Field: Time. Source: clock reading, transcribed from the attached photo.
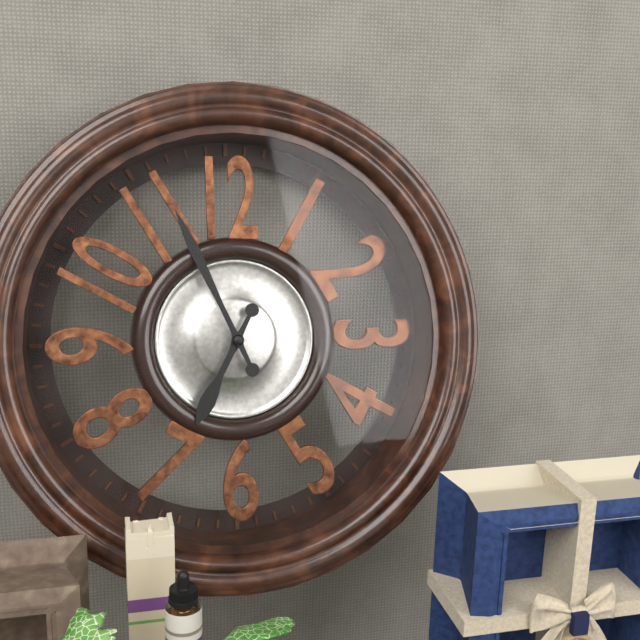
6:56
